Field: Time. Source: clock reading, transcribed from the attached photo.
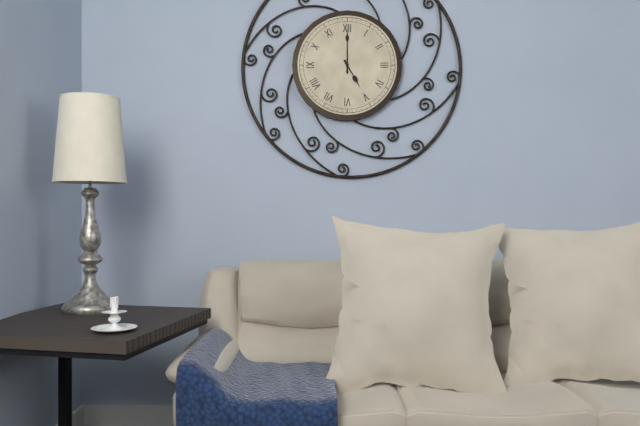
5:00
